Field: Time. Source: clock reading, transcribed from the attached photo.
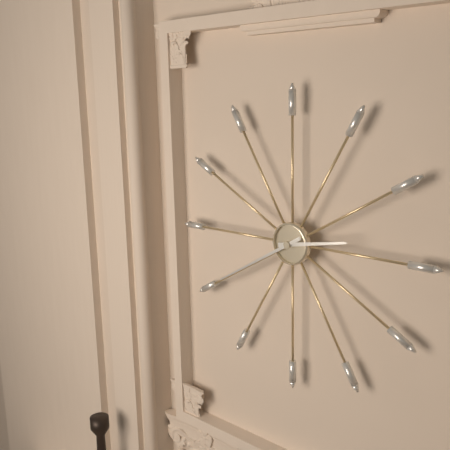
2:40
